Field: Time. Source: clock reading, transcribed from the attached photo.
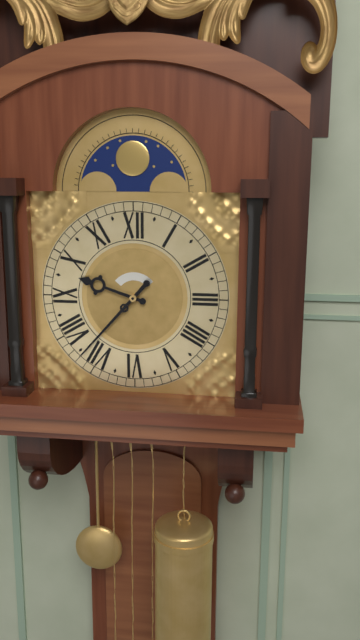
9:37
